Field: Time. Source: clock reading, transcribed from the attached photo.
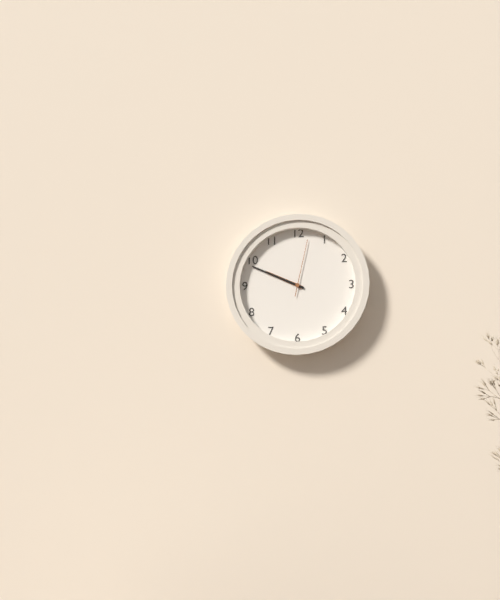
9:49:02
